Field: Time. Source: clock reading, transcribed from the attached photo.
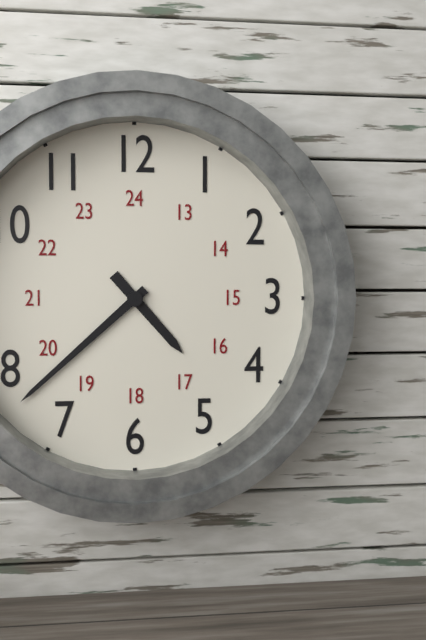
4:38
